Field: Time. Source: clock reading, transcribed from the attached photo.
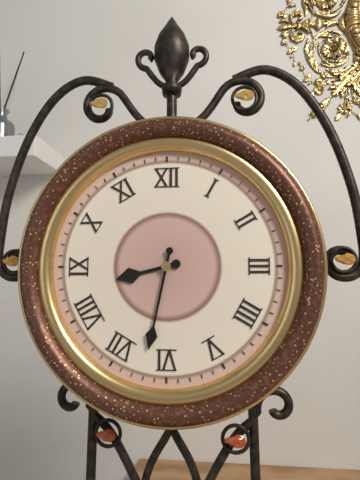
8:32
